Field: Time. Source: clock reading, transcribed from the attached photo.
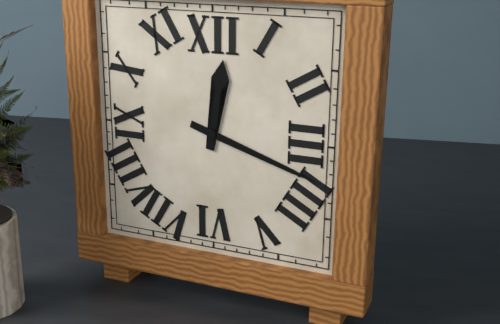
12:18
